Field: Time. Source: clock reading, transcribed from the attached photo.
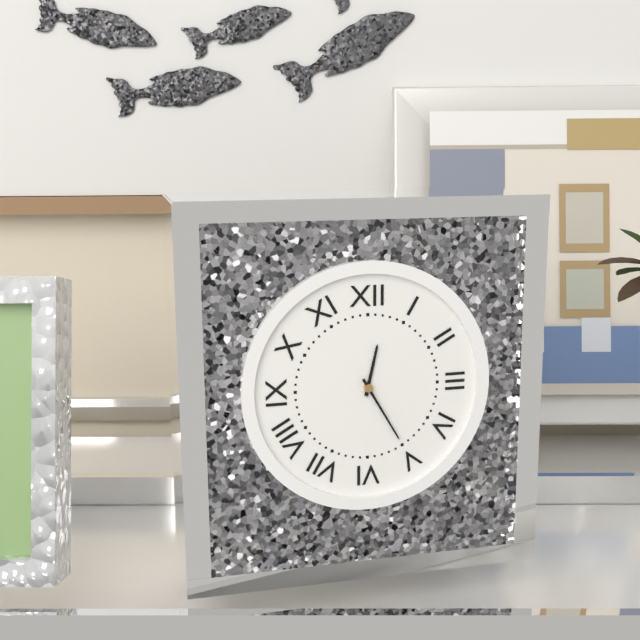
12:25
